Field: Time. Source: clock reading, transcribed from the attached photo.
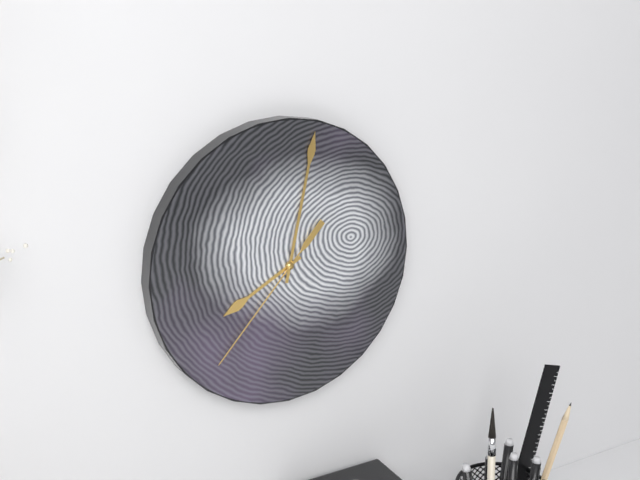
8:02:37
